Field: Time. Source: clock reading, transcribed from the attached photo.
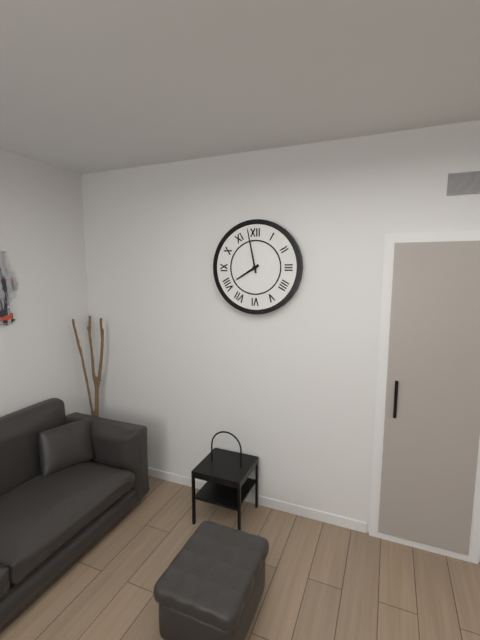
7:58
